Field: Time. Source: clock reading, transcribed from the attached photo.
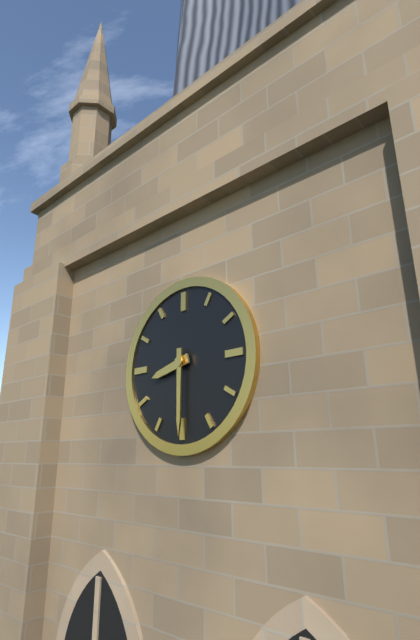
8:30
